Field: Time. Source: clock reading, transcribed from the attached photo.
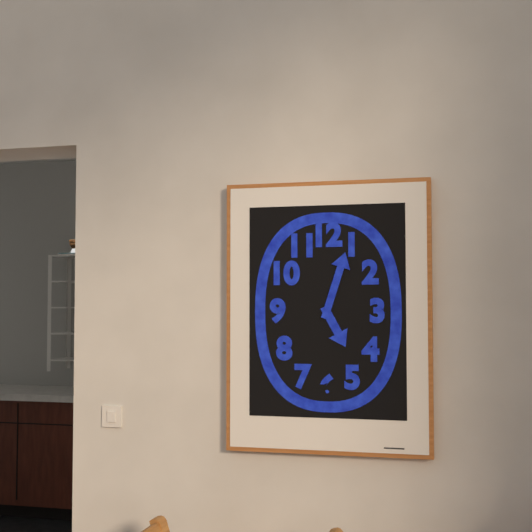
5:03
